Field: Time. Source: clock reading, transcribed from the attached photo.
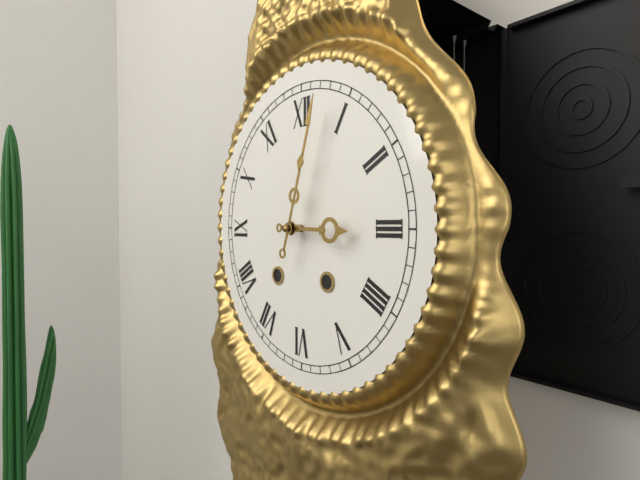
3:03
